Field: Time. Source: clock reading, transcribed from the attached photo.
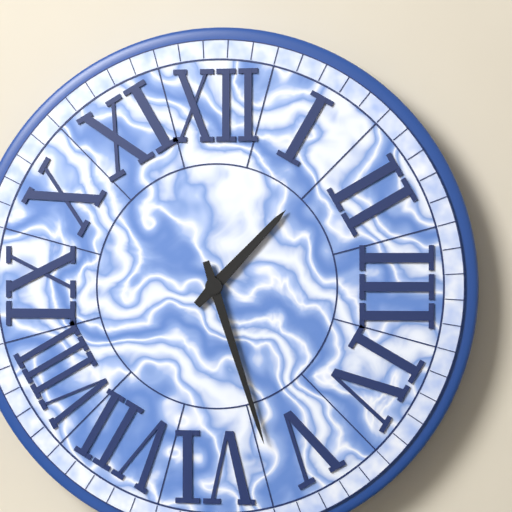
1:27
